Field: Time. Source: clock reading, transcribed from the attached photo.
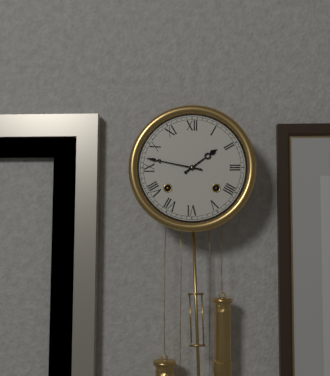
1:47
